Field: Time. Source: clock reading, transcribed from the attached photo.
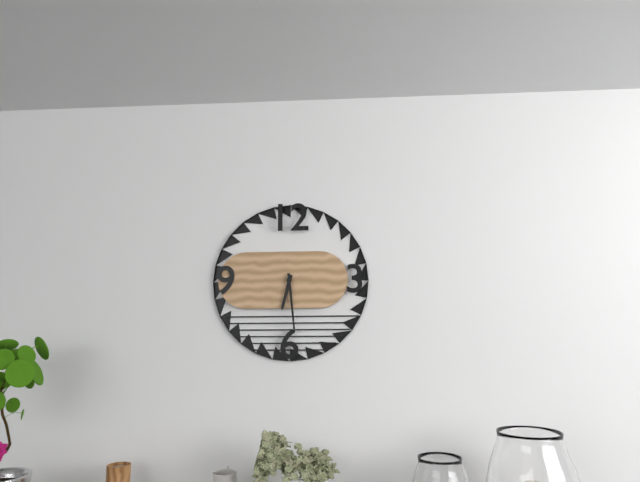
6:29
